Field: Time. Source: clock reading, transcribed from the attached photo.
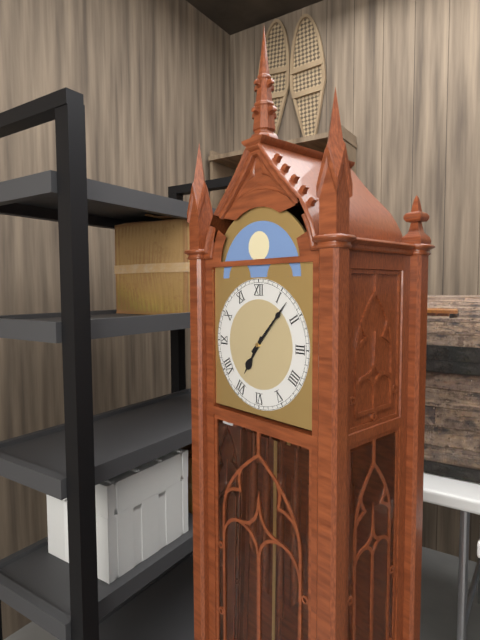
7:07
